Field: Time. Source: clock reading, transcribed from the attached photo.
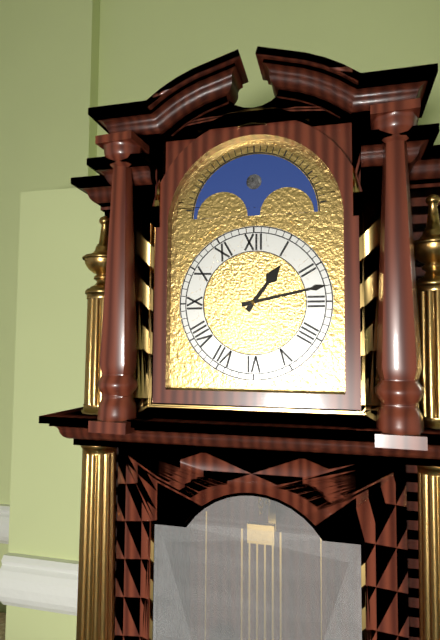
1:13
